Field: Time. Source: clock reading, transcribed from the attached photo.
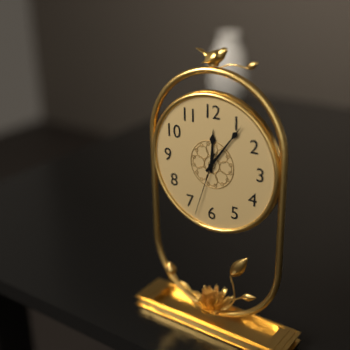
12:06:33
